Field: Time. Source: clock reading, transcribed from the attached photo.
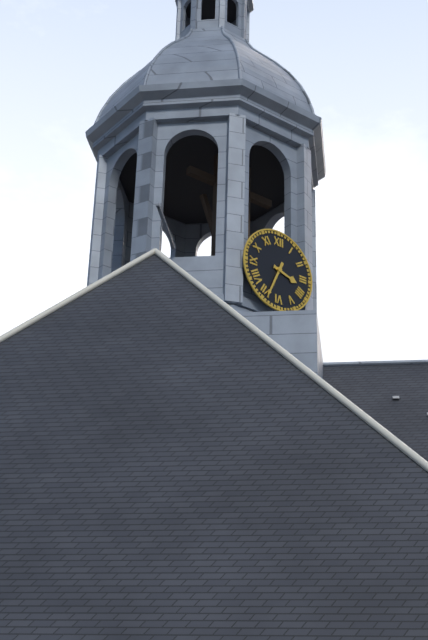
3:34
